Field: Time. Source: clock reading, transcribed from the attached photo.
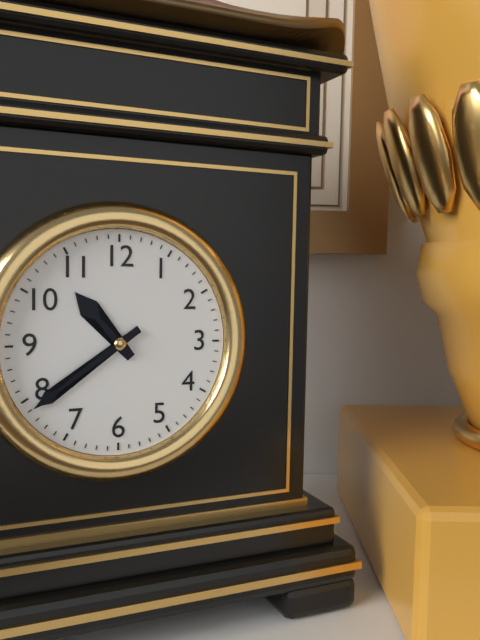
10:39
